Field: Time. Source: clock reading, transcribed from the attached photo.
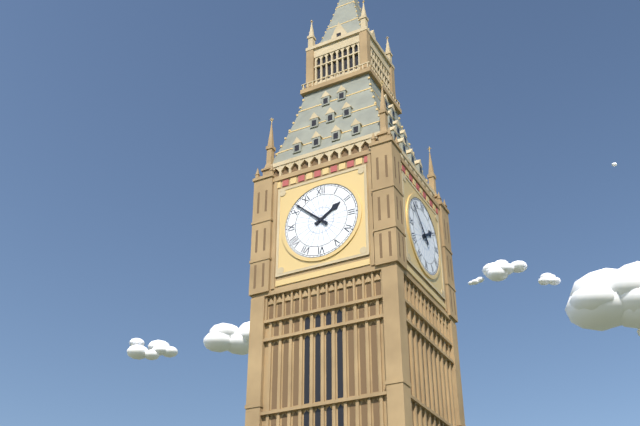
1:52
